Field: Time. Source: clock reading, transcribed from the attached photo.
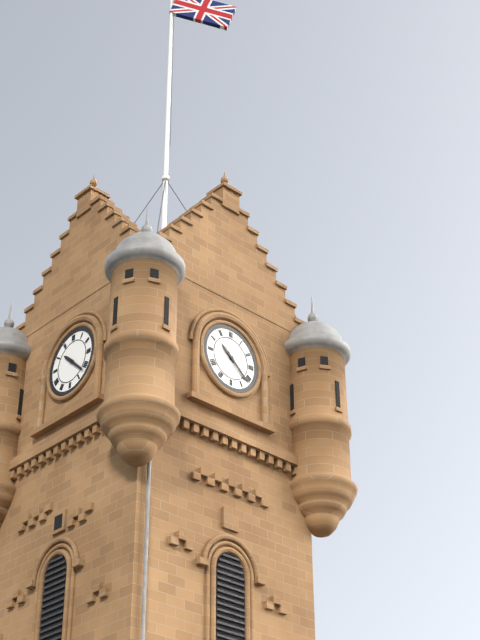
10:22
